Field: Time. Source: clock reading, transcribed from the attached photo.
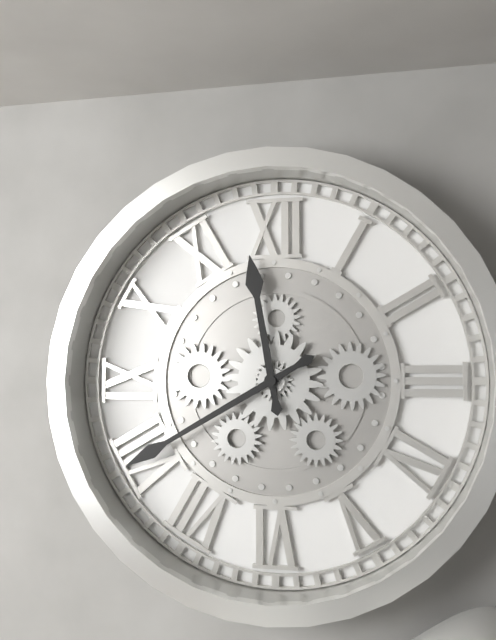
11:40
